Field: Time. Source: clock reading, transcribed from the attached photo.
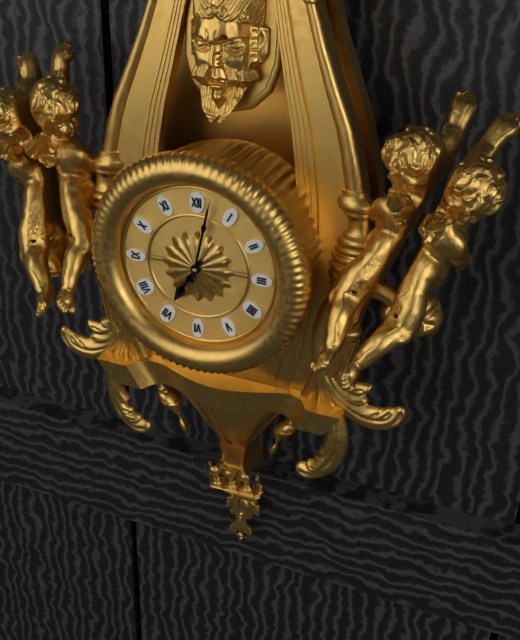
7:02
